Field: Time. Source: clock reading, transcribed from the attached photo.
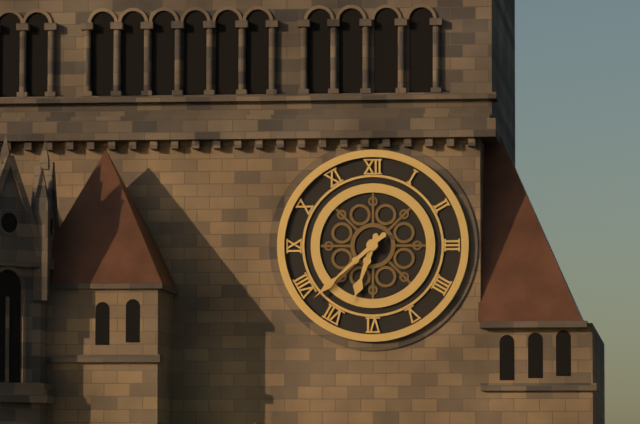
6:38
